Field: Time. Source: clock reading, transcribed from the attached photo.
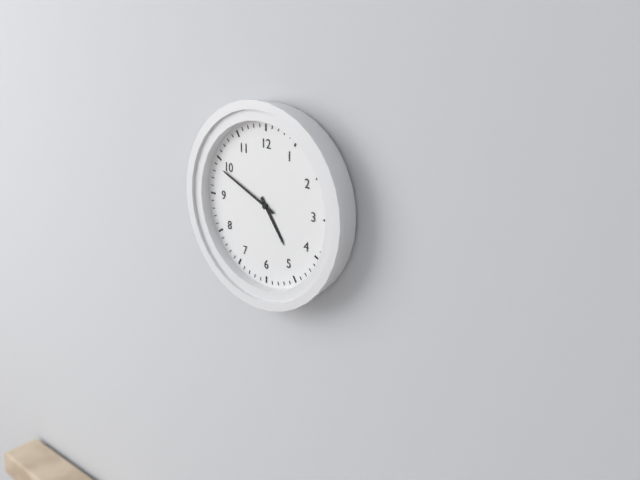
4:49
